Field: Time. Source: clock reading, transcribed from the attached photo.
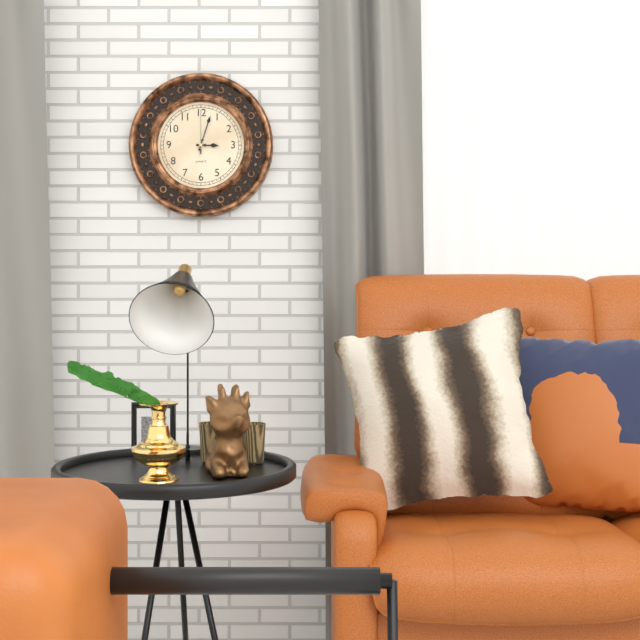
3:03
